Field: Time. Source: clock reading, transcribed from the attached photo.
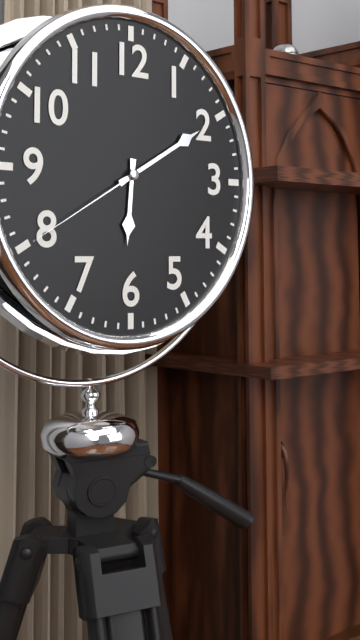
6:10:40
